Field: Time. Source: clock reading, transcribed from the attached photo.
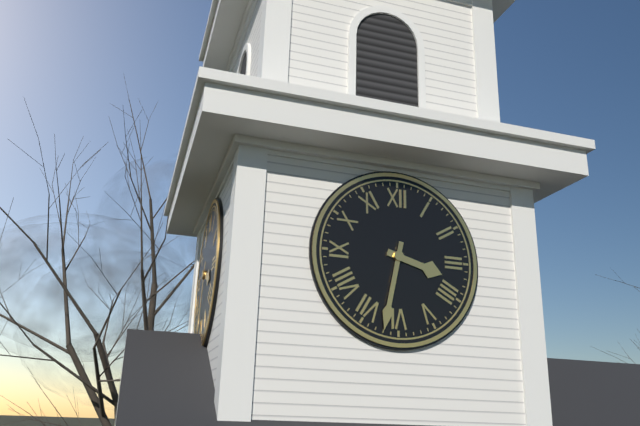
3:32
